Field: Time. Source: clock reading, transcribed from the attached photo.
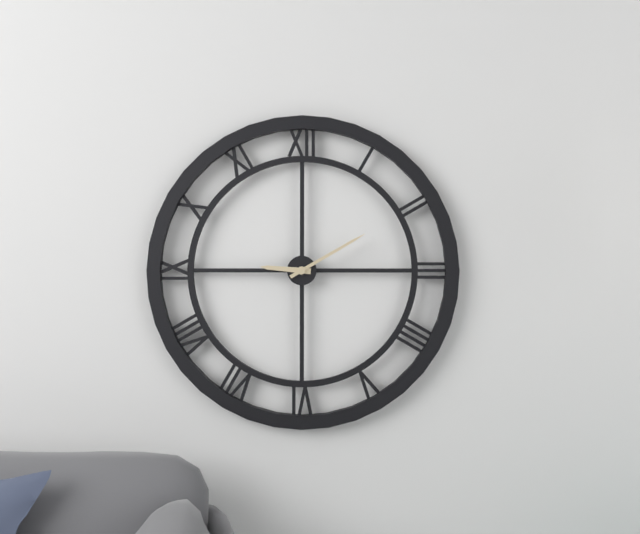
9:10
